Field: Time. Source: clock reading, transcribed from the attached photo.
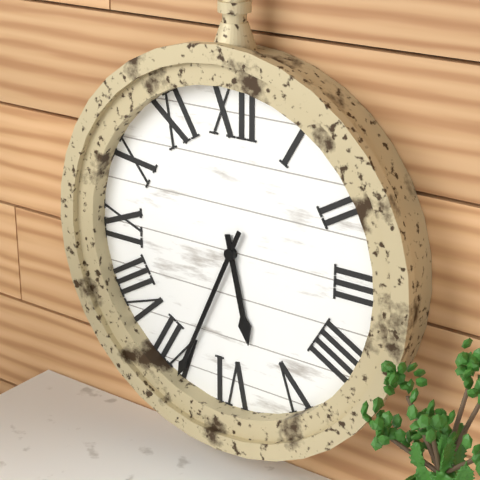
5:34
